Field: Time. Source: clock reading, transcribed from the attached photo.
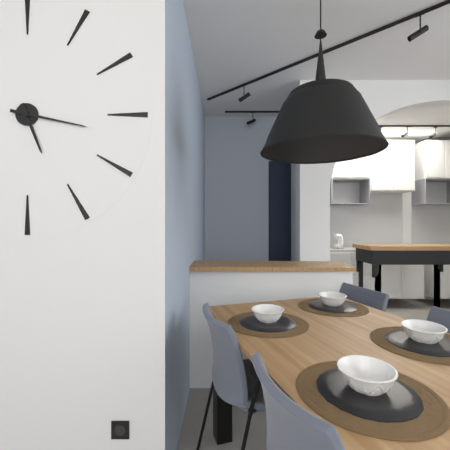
5:17
